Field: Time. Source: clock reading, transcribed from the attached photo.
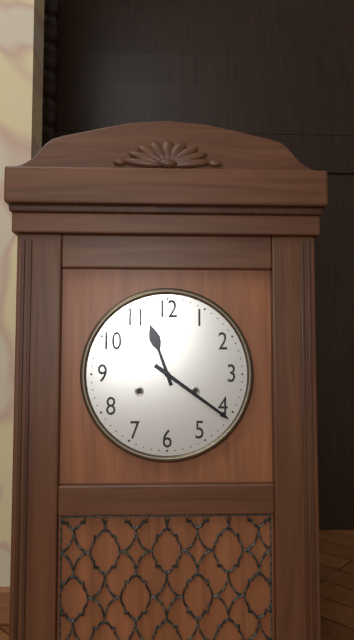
11:21
